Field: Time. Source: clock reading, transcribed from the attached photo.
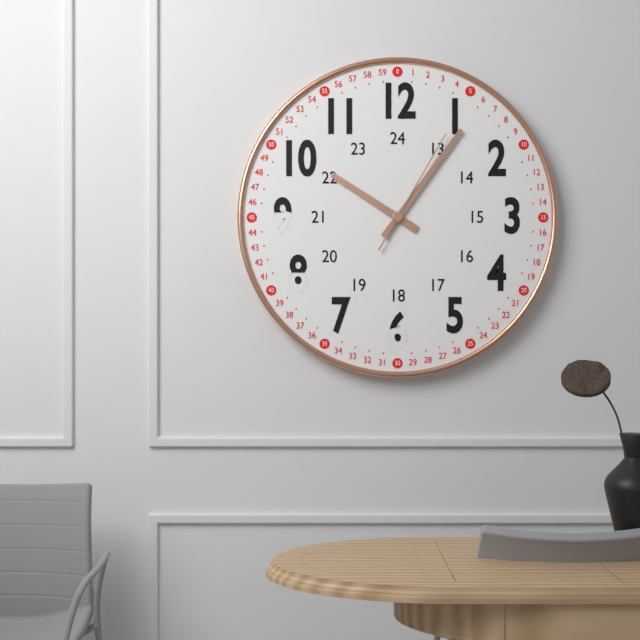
10:06:05
